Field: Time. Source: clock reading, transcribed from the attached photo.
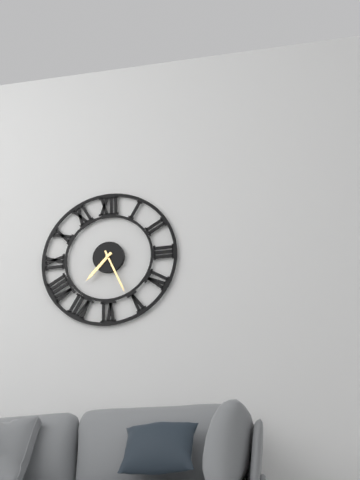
7:26
